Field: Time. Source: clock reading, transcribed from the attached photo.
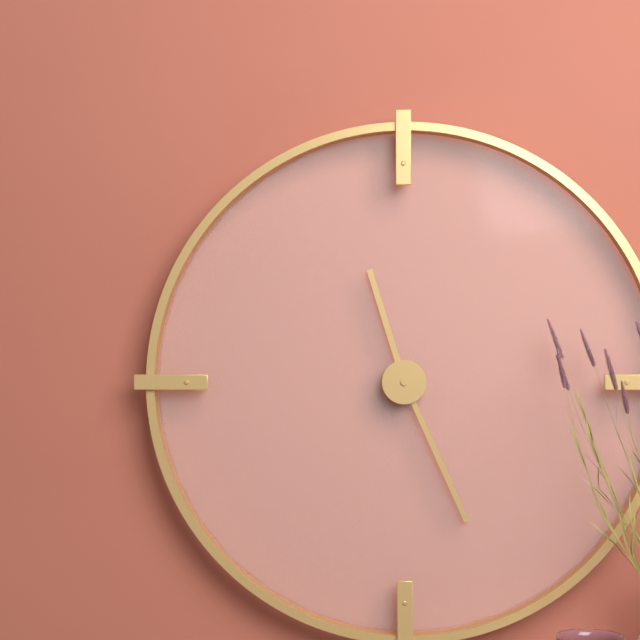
11:26
